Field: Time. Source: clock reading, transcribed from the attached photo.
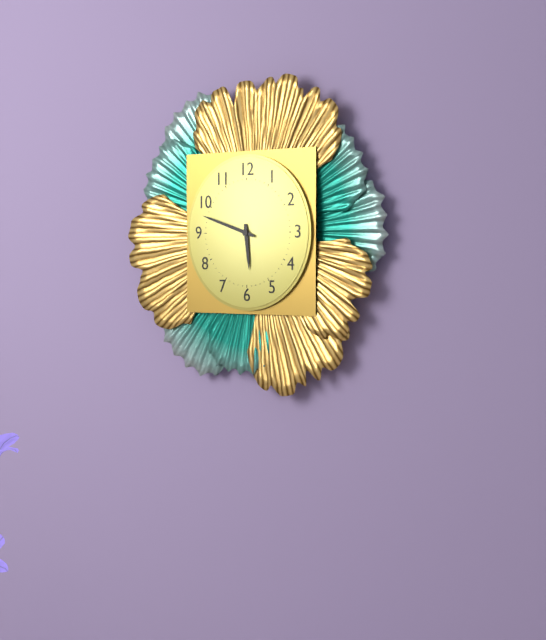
5:48
